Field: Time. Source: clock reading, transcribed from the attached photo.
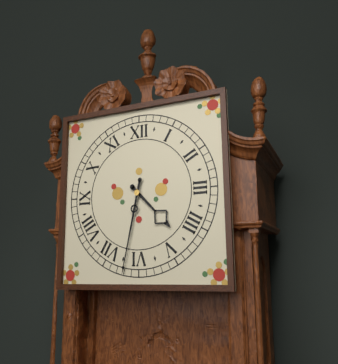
4:32
